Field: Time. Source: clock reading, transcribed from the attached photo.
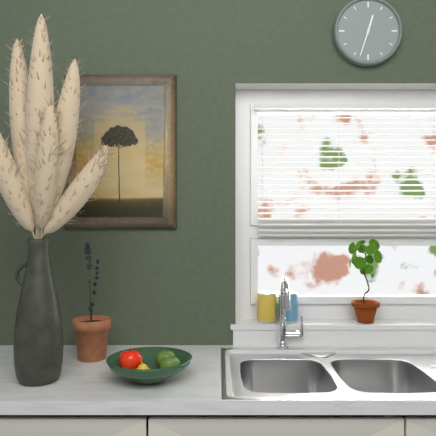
12:33
